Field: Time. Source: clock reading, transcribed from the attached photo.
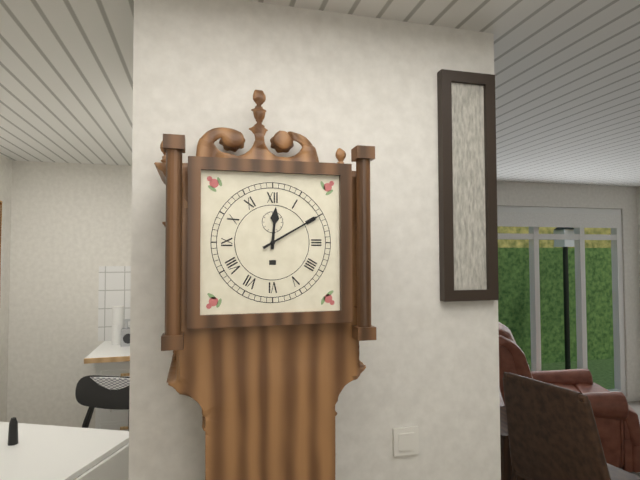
12:10
